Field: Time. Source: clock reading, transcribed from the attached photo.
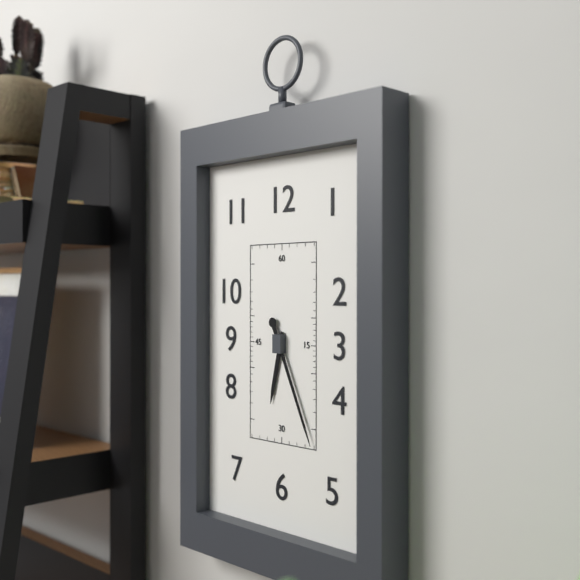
6:26
